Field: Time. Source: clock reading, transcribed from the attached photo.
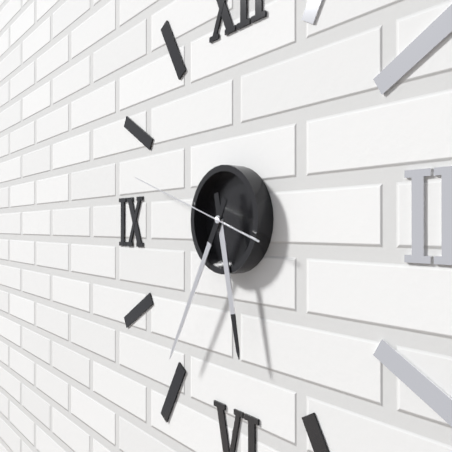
5:35:48
